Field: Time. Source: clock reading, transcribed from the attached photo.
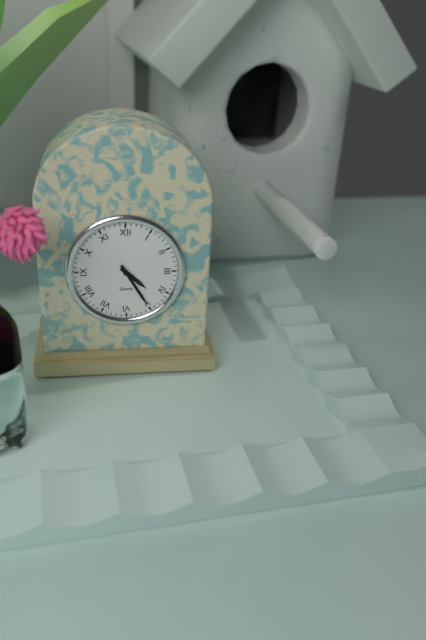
4:25
